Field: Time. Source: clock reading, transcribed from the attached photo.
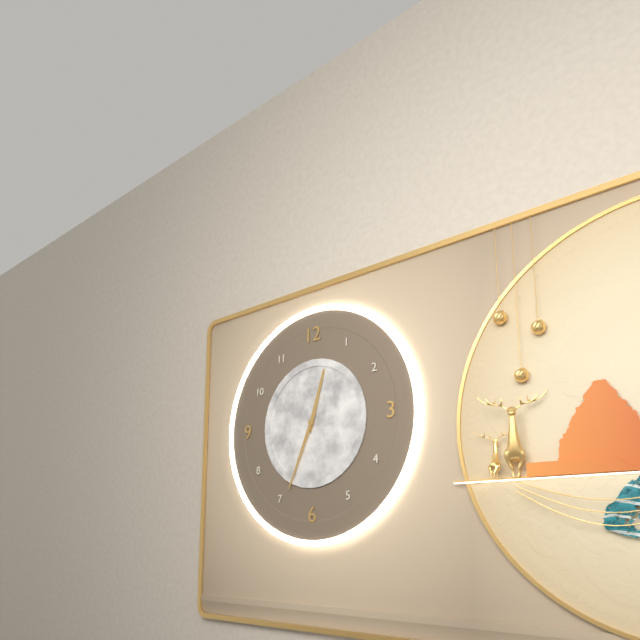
12:34
